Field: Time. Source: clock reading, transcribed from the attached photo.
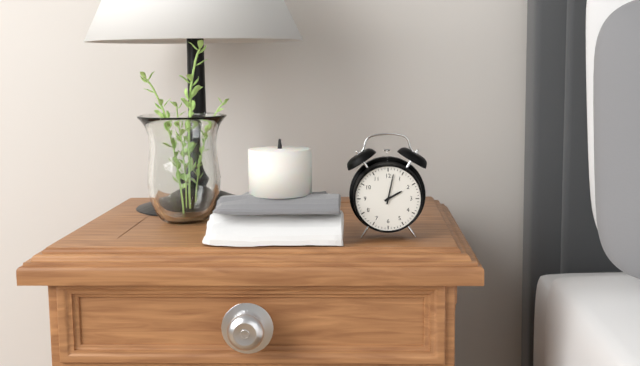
2:02
